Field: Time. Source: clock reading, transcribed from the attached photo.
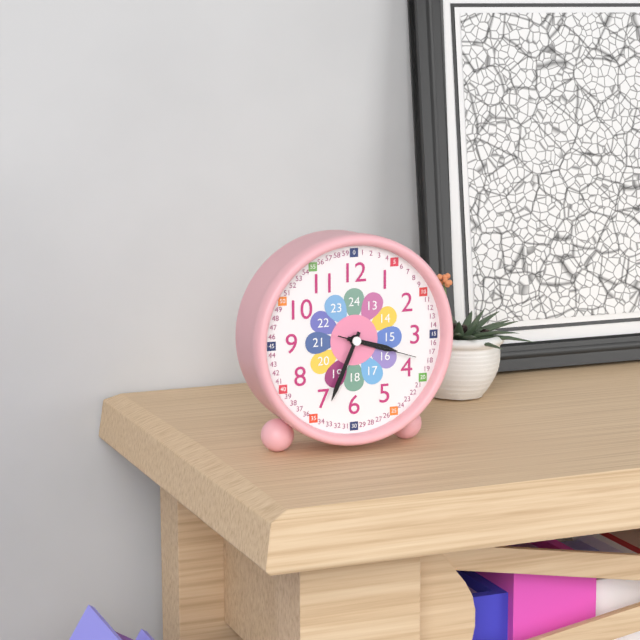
3:34:18
